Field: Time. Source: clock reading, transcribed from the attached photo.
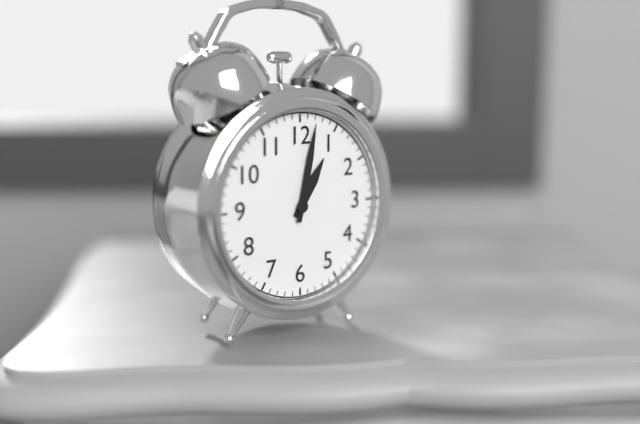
1:02
